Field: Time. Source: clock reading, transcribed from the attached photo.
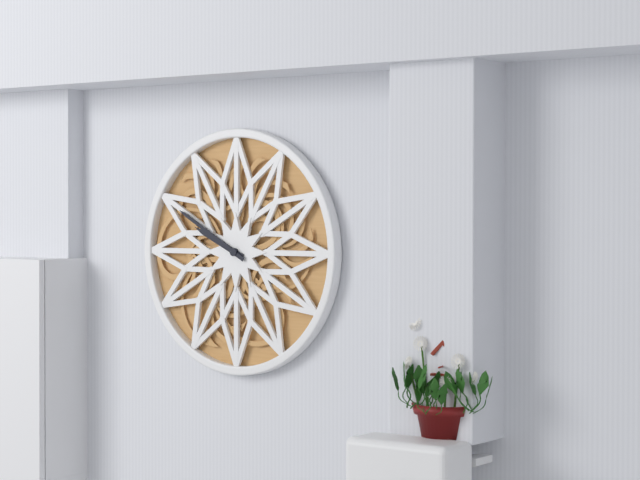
9:50
